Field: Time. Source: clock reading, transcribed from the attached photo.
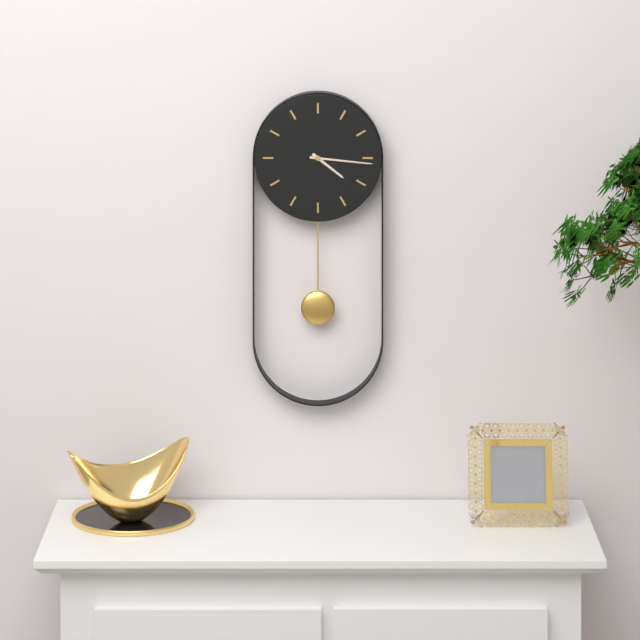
4:16
